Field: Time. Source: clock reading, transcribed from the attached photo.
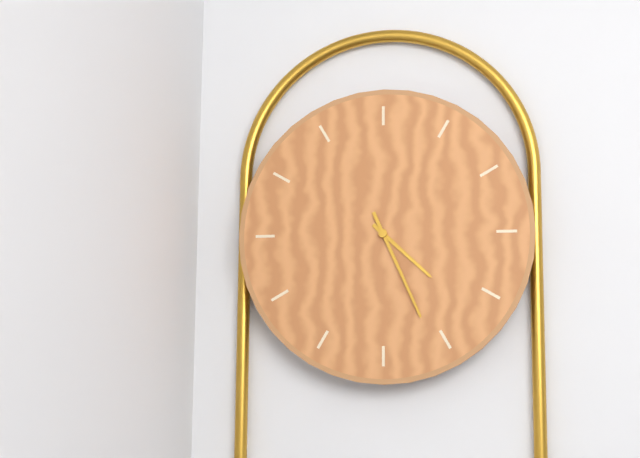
4:26
